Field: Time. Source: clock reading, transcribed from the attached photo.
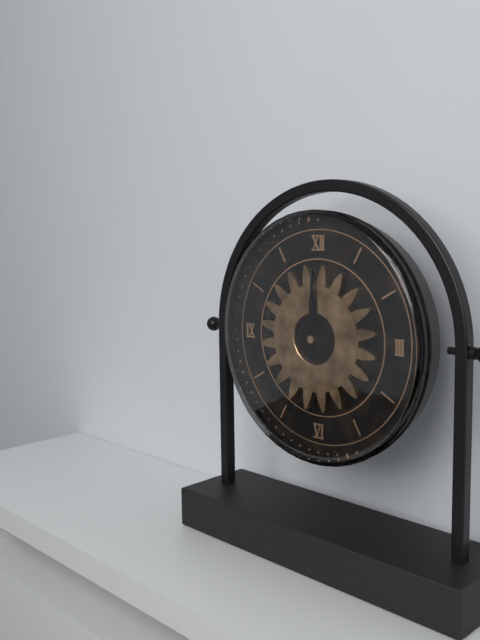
12:00
